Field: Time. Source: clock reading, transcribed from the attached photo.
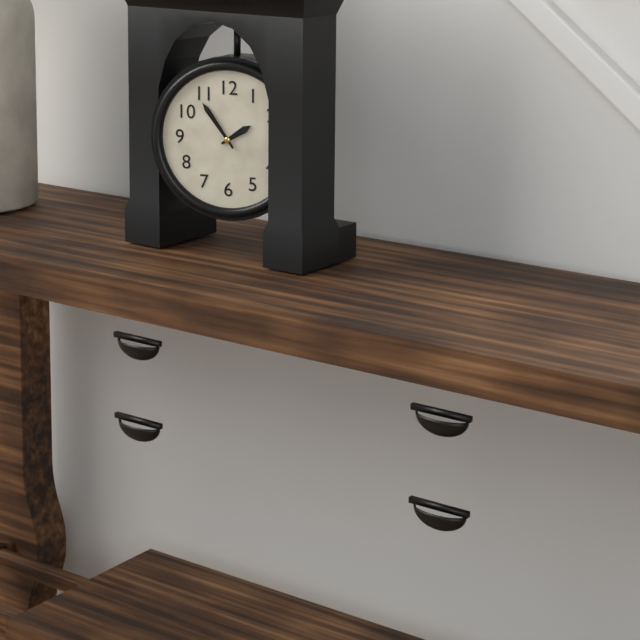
1:54
